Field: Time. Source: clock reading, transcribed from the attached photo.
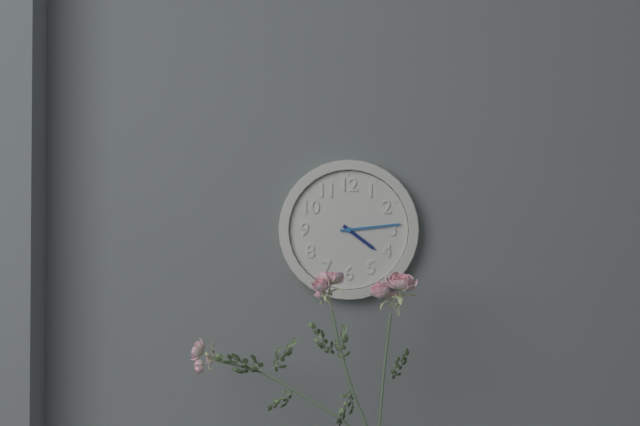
4:14
